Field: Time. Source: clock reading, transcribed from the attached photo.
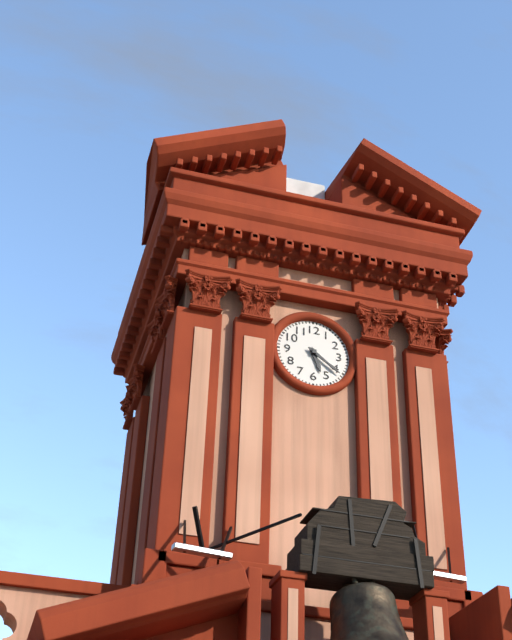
5:21
